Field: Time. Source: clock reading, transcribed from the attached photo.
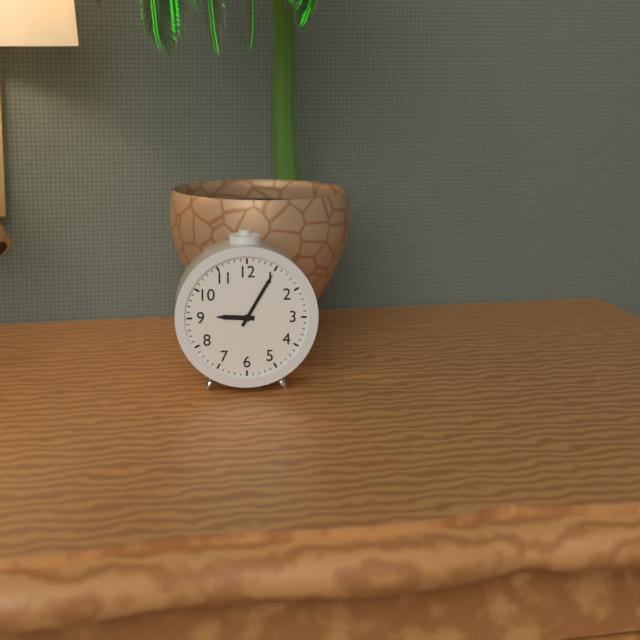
9:05
